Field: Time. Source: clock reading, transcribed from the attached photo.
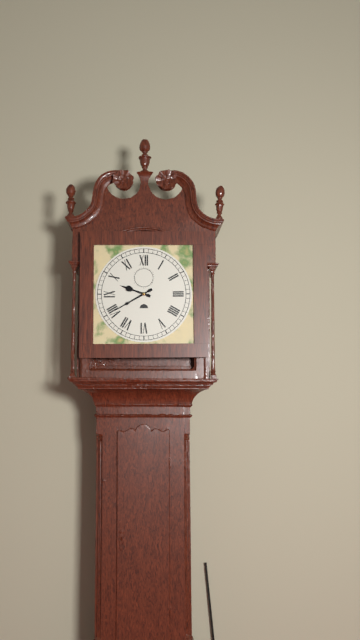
9:40
